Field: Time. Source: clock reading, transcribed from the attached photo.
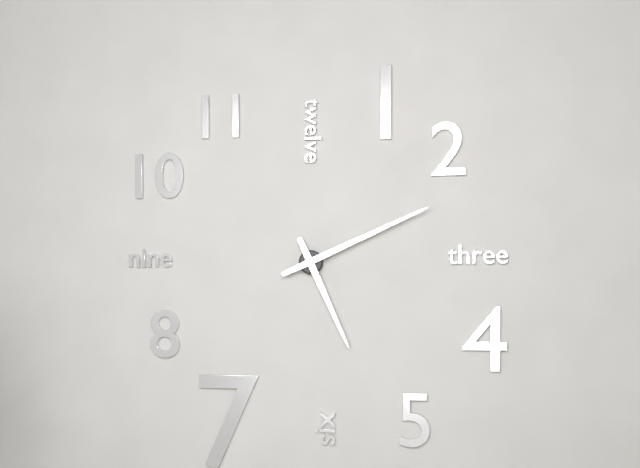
5:11
